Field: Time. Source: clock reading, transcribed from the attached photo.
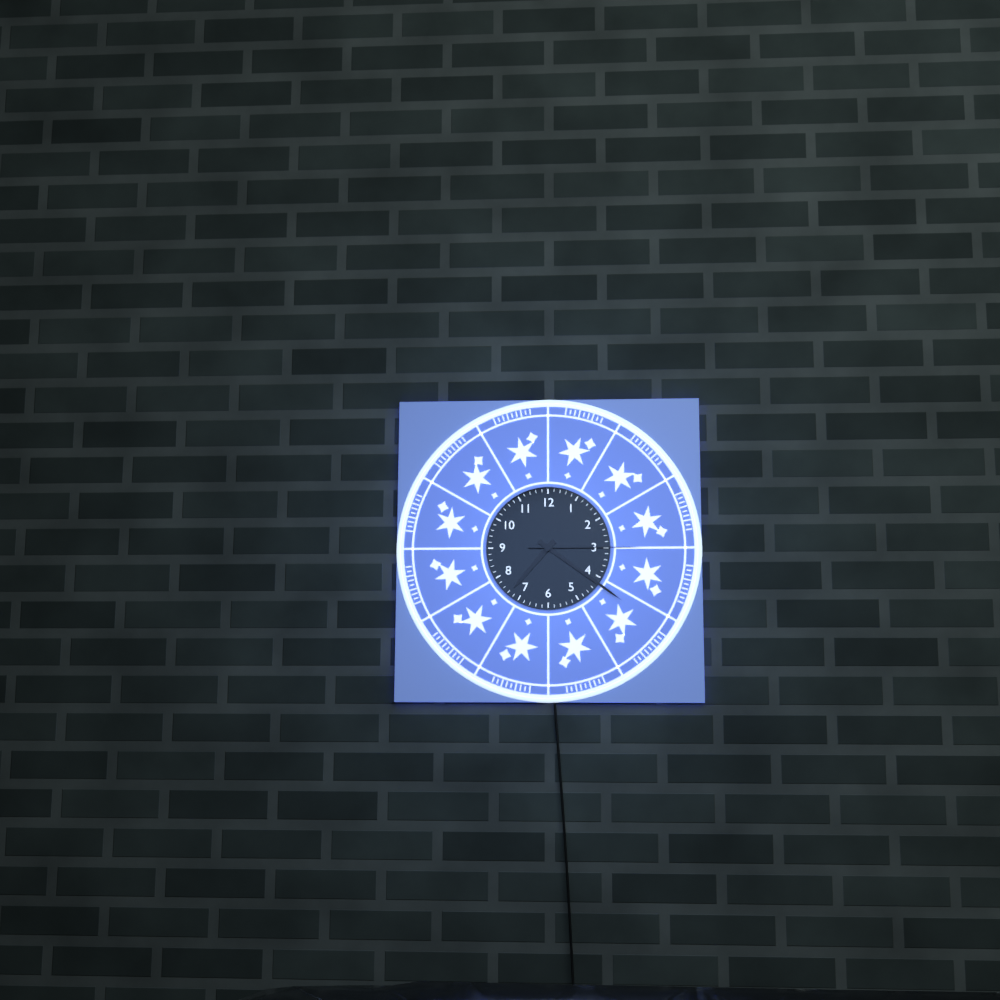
7:21:15
